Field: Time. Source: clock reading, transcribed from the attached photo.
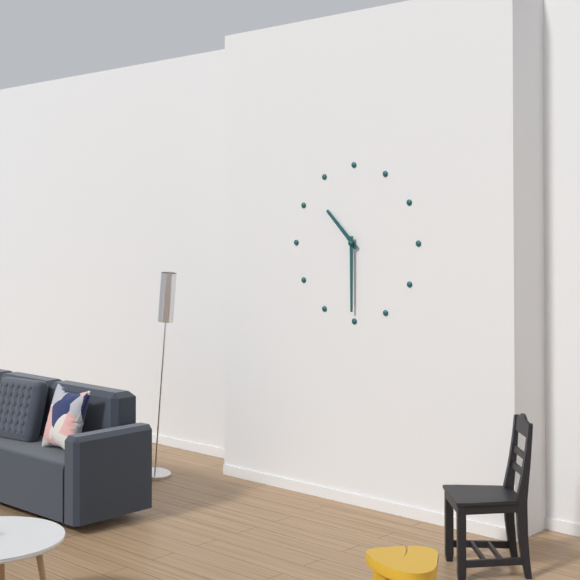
10:30
